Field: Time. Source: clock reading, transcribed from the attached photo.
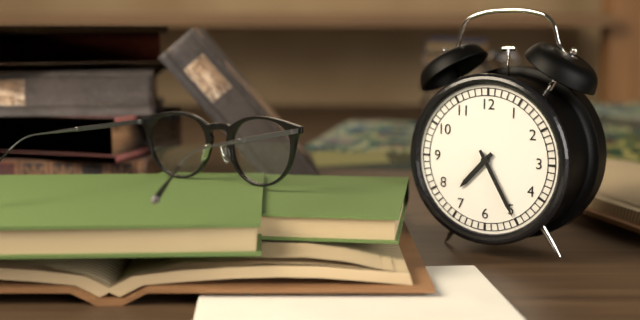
7:25
